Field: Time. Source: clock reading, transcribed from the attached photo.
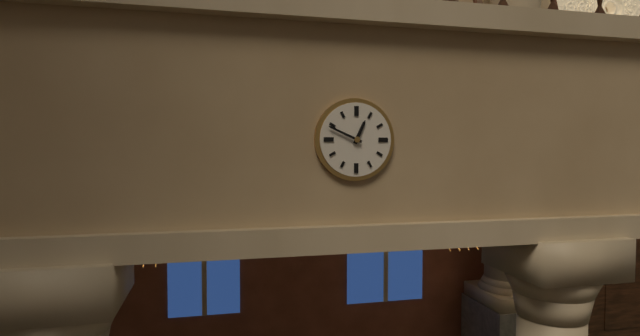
12:49
